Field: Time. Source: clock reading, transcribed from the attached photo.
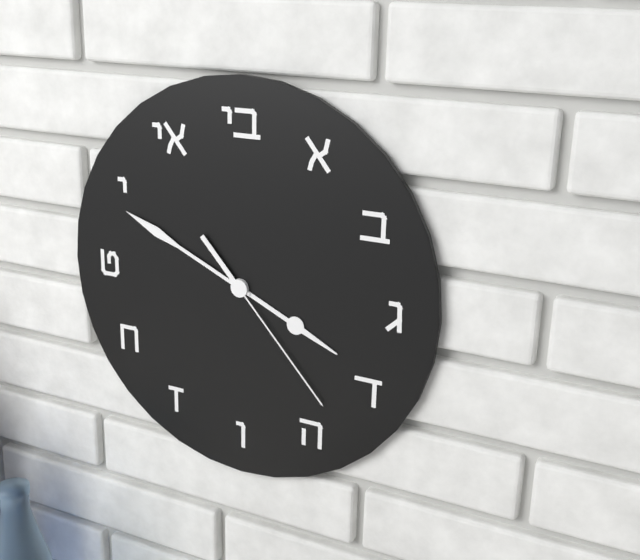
3:49:23
